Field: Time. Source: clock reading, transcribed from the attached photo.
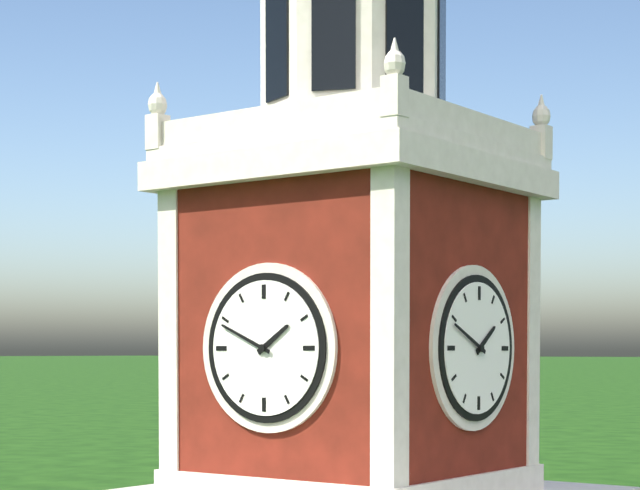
1:49
